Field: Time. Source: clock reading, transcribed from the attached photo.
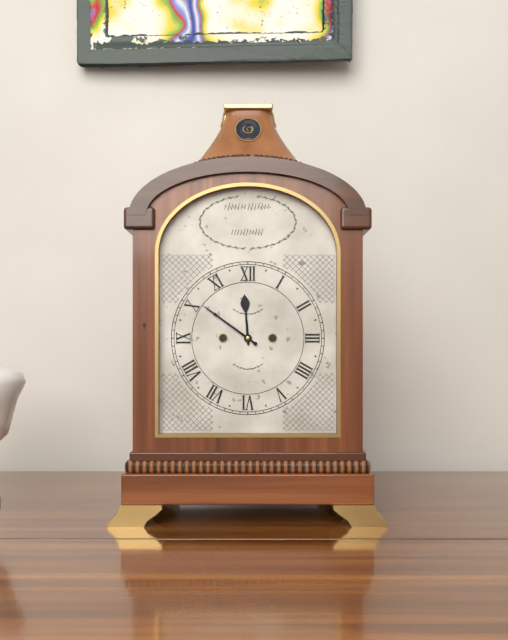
11:51
